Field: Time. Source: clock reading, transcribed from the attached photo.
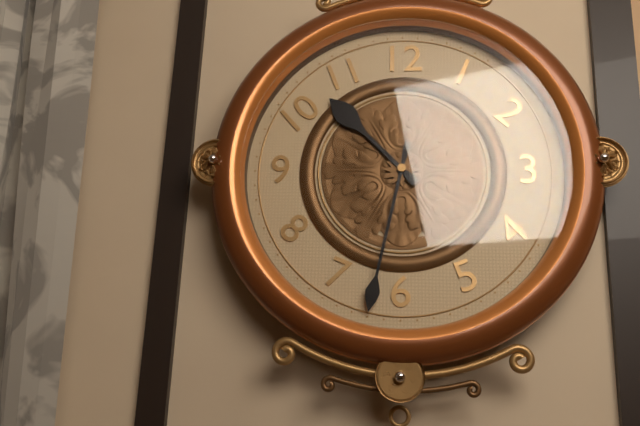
10:32
